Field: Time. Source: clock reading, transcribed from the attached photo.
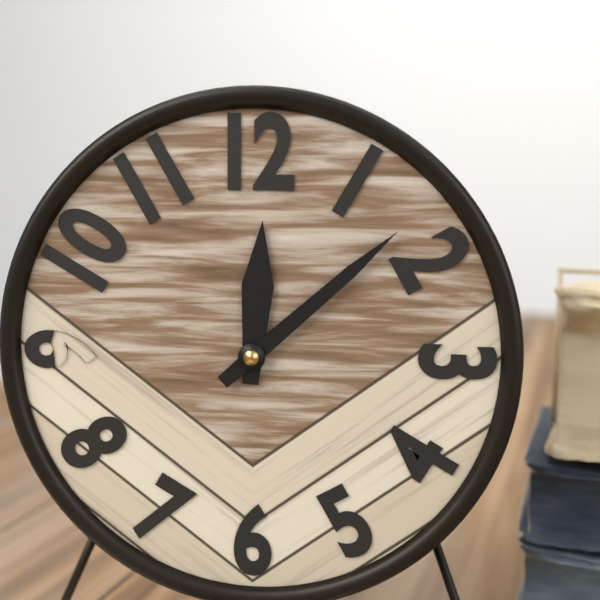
12:08
